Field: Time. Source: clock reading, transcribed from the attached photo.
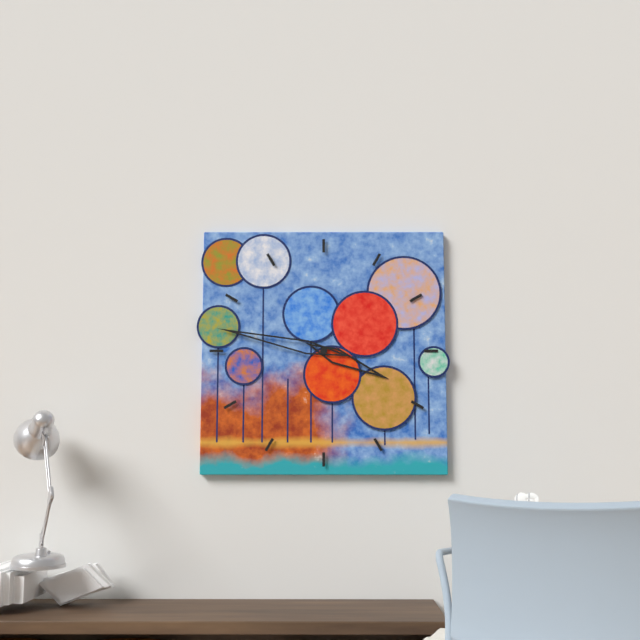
3:47
